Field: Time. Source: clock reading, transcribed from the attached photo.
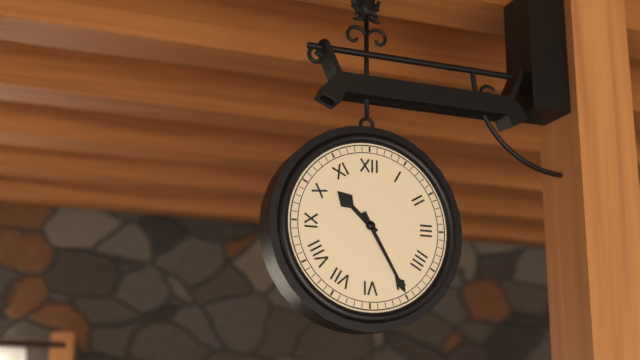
10:25
